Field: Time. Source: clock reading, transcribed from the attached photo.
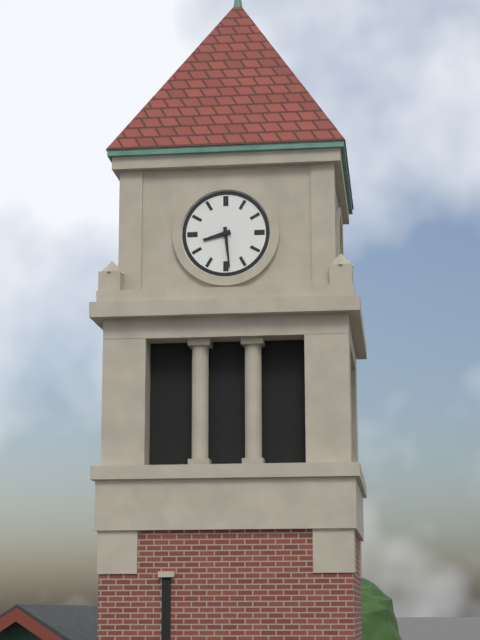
8:29
